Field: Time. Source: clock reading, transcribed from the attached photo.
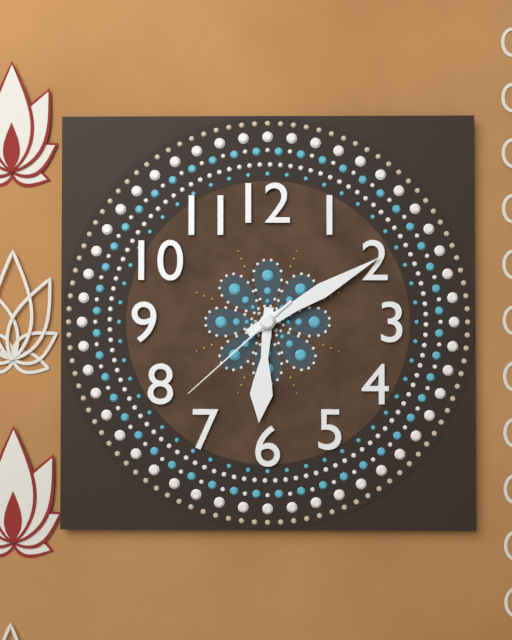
6:10:38
